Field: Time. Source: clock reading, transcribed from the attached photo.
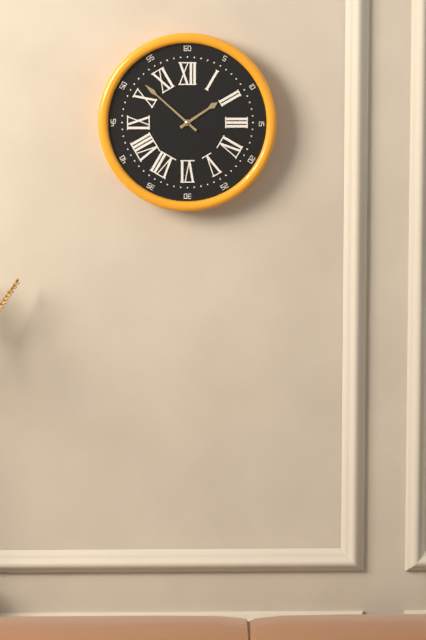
1:52
